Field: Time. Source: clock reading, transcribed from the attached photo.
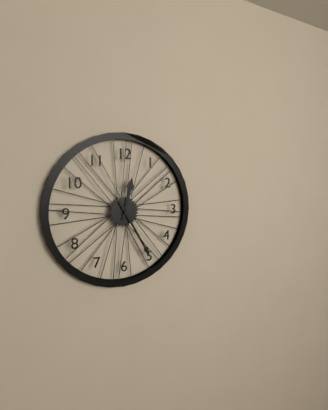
12:25
